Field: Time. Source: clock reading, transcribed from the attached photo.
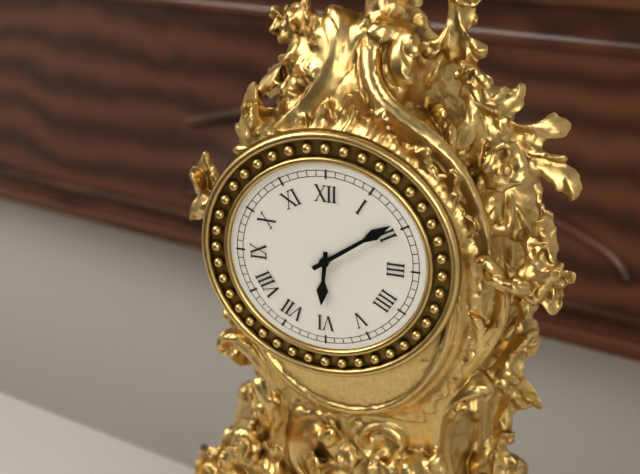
6:09
